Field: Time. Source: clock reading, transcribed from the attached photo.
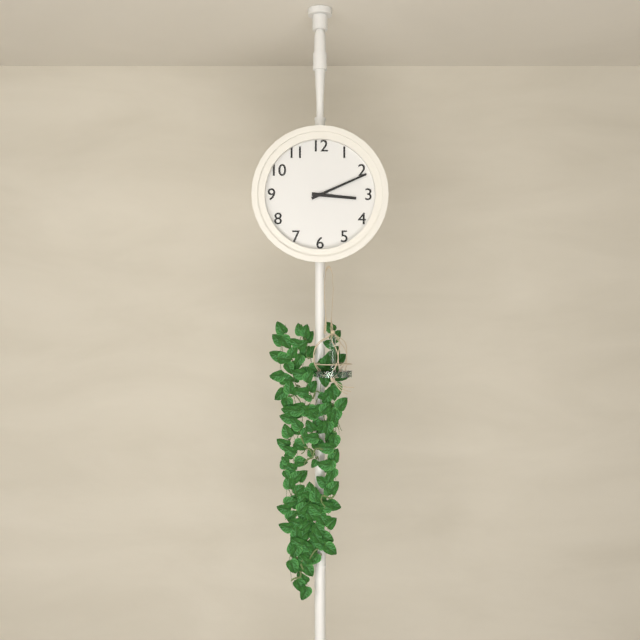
3:11
